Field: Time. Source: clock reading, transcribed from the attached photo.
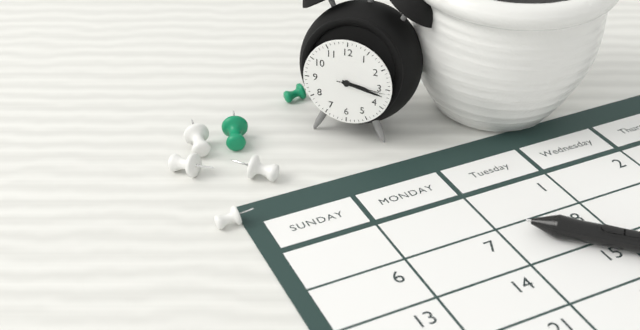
3:17:16
